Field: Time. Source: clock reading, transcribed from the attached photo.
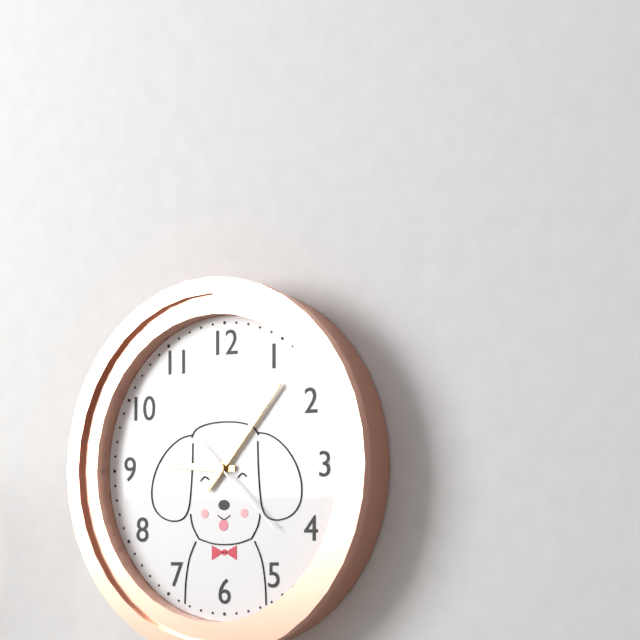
9:07:22
